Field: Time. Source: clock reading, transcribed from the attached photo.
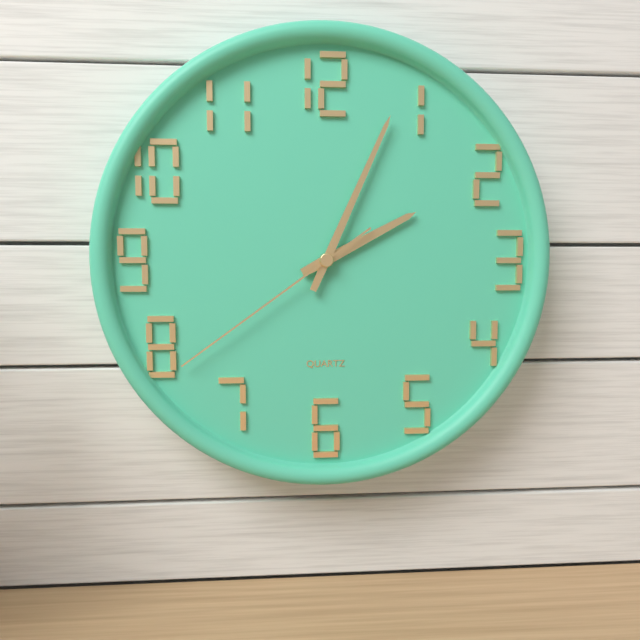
2:04:39
